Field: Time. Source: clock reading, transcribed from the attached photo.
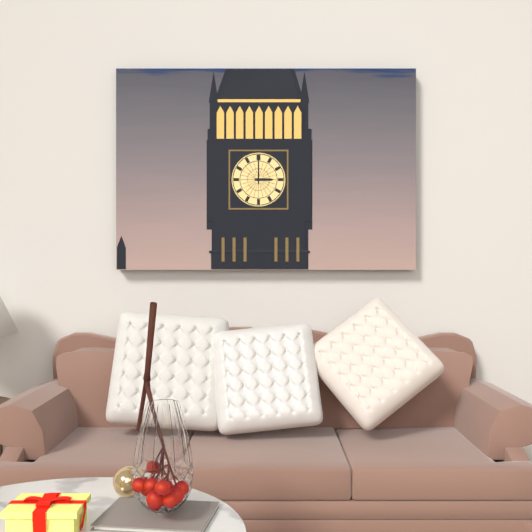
3:00
